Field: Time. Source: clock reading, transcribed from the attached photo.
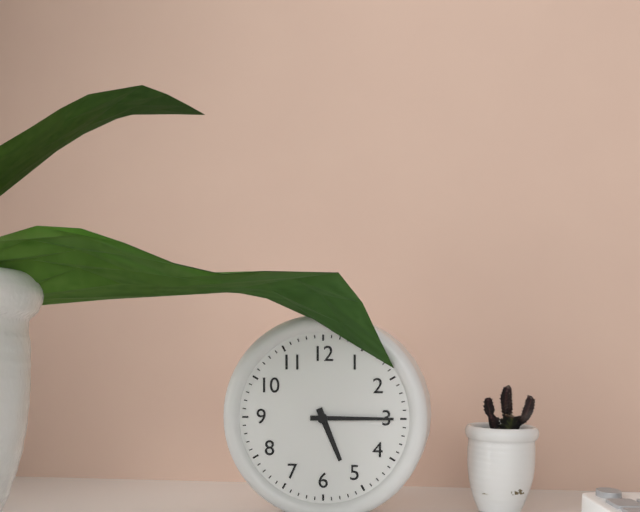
5:15
